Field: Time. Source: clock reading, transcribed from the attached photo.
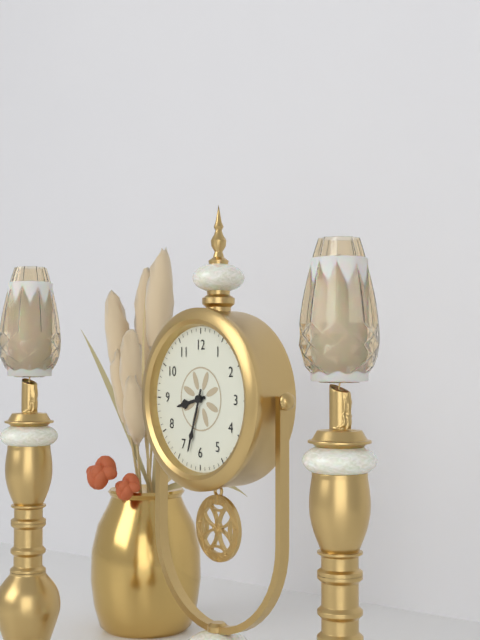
8:33
